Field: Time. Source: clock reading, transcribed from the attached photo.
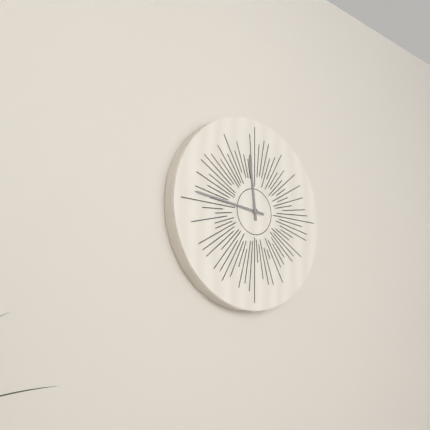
11:46
